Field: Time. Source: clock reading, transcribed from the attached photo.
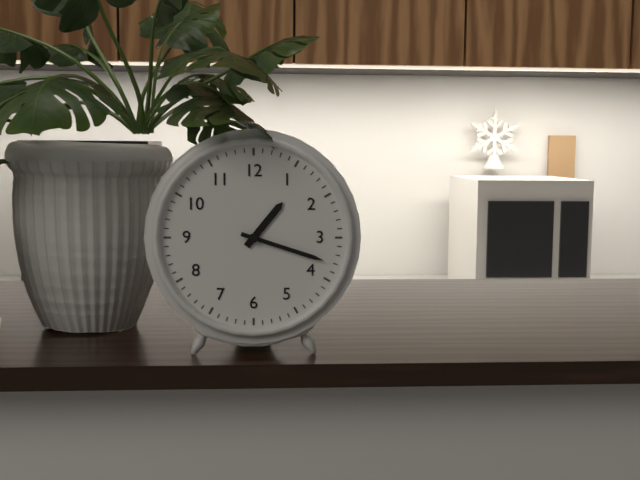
1:18
